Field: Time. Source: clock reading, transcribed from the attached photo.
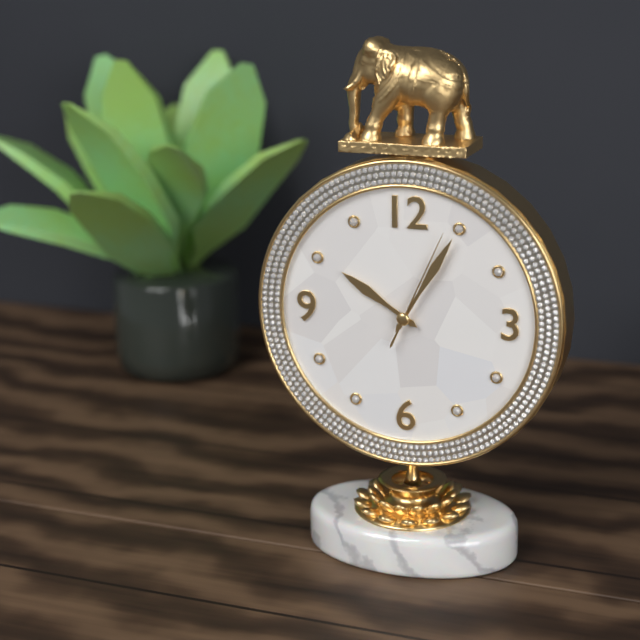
10:05:04
